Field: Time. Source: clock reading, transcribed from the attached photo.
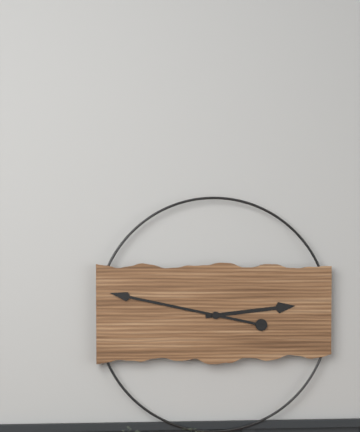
2:47
